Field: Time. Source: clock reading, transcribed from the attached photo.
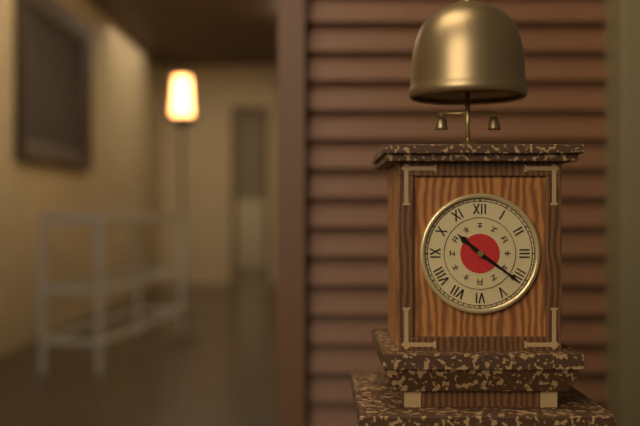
10:21
